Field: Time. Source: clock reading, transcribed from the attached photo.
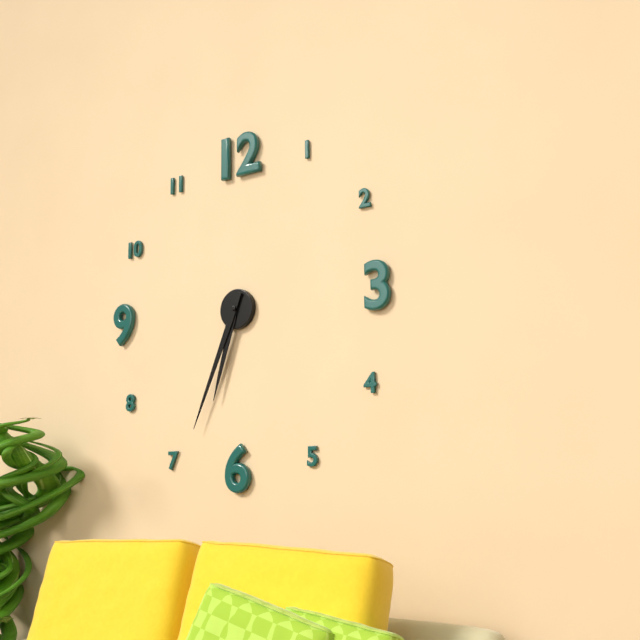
6:34
